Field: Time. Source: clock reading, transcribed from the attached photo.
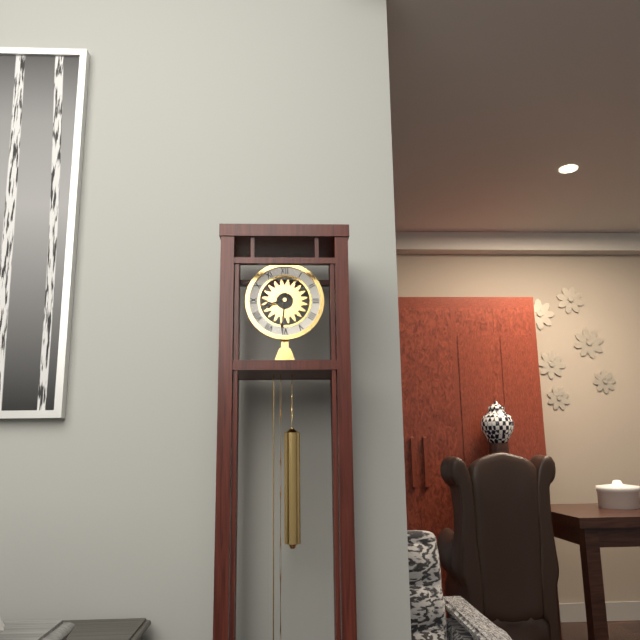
8:31
